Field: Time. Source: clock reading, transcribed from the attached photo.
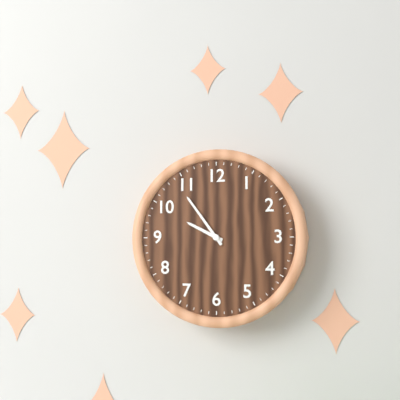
9:54
